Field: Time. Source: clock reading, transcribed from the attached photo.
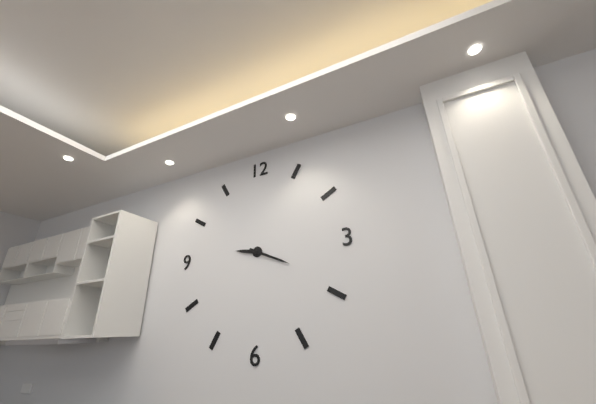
9:19
